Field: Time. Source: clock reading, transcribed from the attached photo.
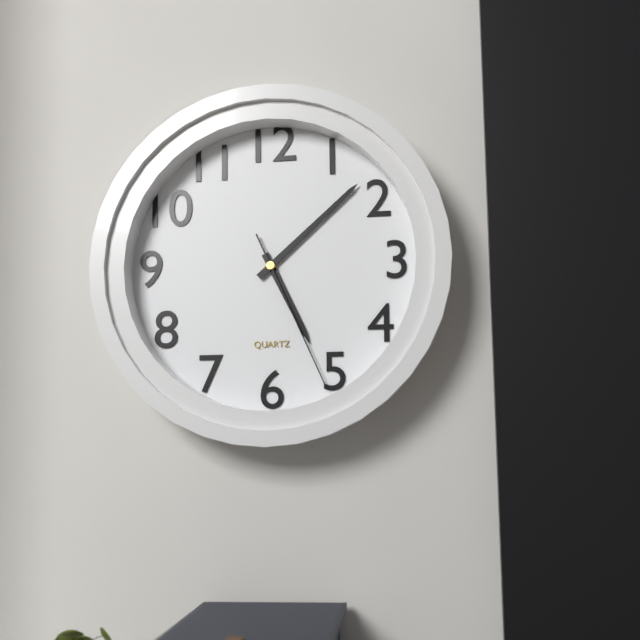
5:08:26
